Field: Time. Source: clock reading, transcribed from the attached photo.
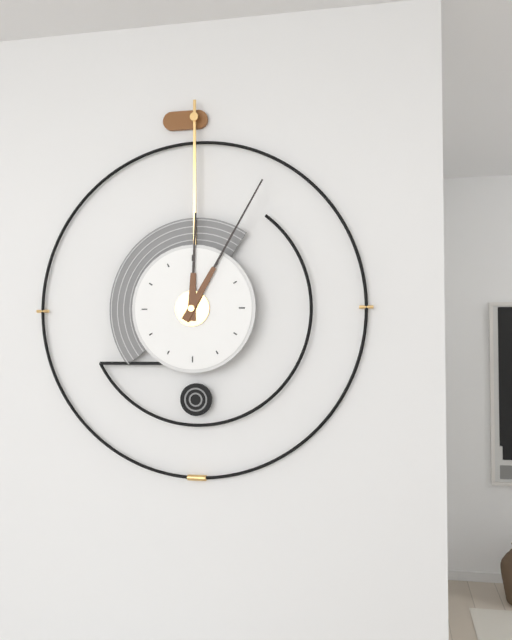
12:05
